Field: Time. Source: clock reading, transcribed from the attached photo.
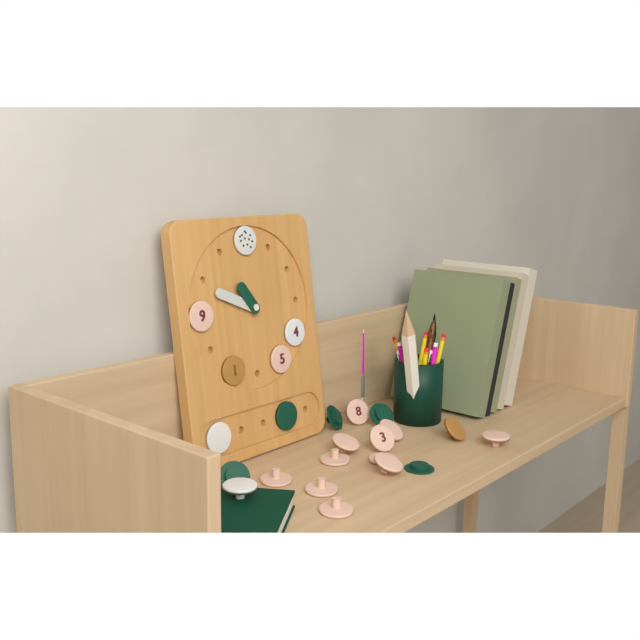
10:49
